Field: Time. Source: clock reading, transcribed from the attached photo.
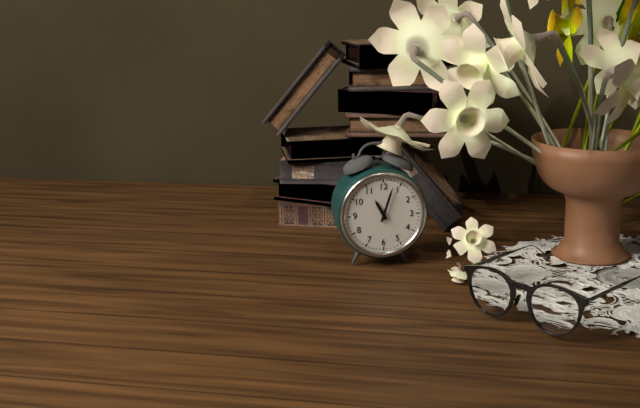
11:03
